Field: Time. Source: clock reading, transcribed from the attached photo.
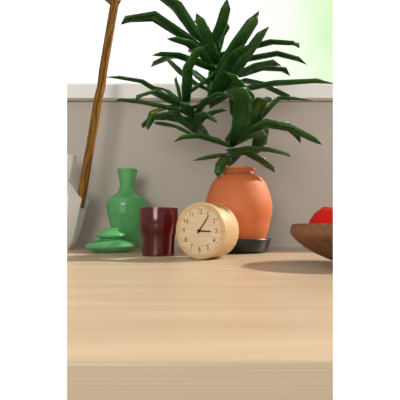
3:06
